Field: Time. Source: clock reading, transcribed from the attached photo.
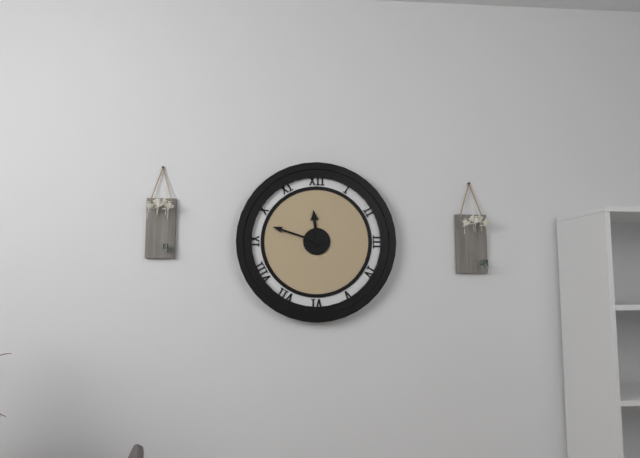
11:48
